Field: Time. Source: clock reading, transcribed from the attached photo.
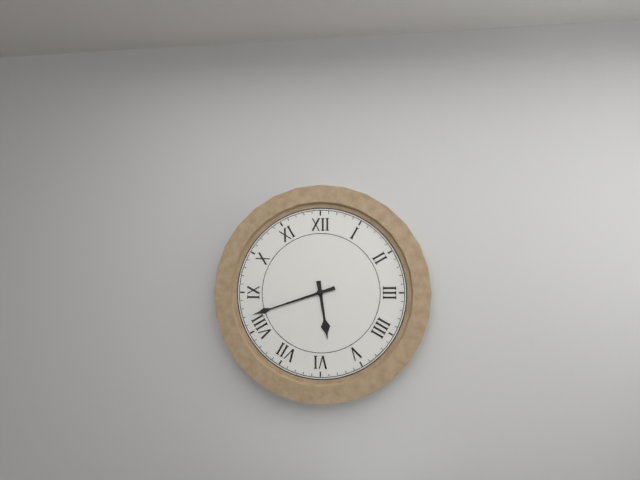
5:42
